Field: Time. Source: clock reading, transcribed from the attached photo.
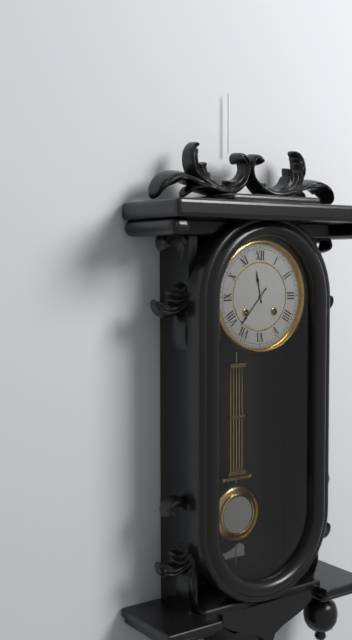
11:37
